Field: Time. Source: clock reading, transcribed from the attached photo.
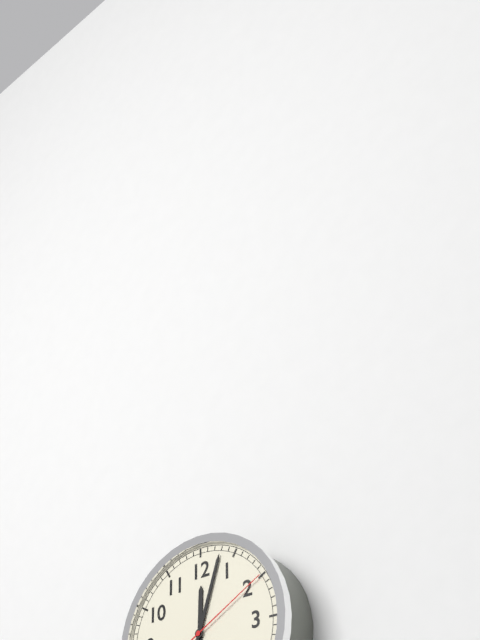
12:03:10
